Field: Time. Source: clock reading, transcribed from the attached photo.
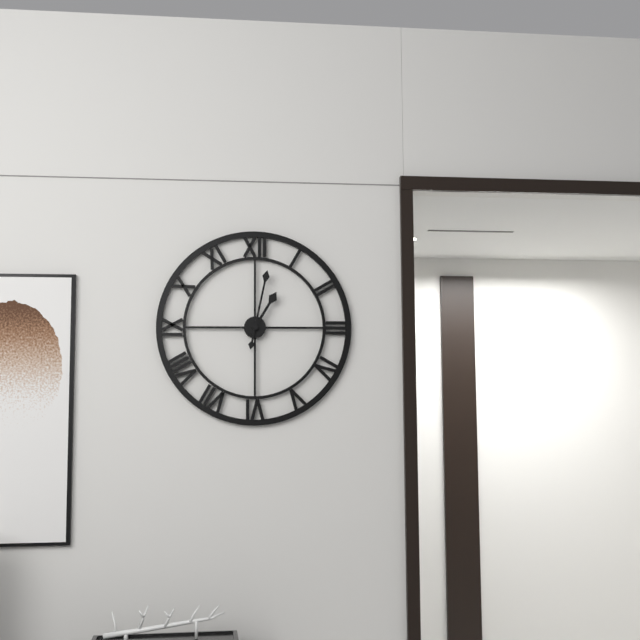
1:02
